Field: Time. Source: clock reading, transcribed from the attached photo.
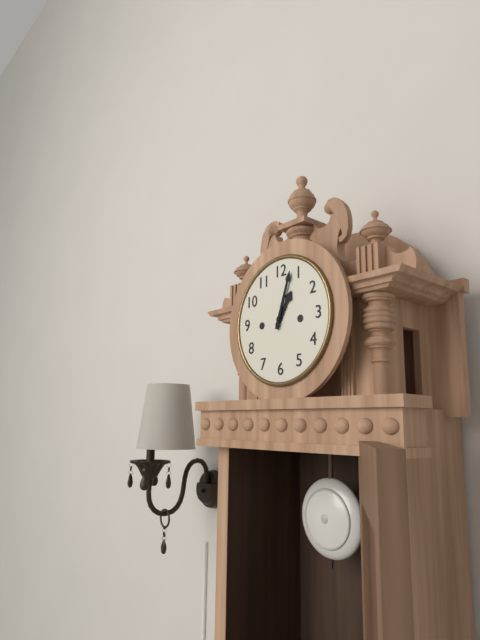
1:03
